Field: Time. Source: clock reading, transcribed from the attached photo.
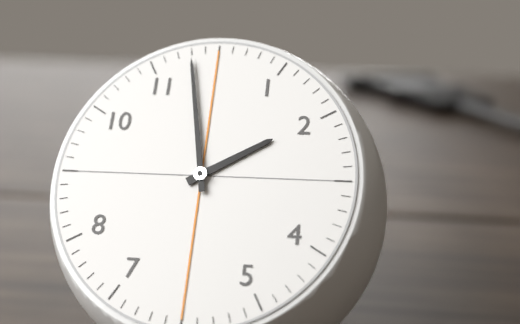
1:58
